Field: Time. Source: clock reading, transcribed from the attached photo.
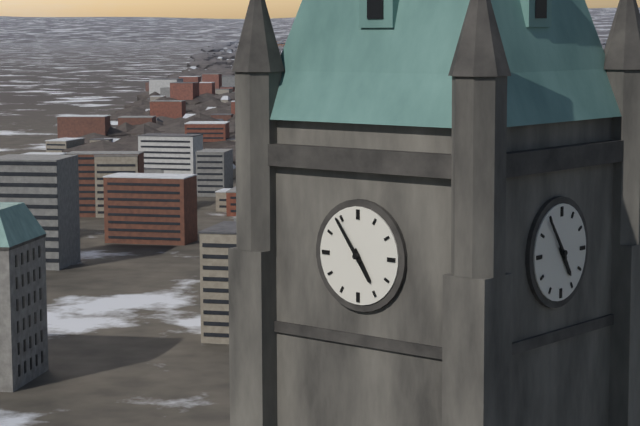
4:54
